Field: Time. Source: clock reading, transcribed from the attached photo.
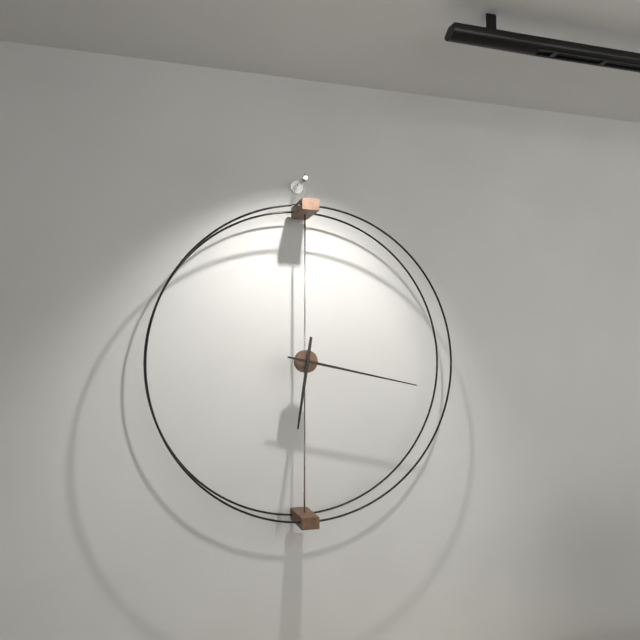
6:17
